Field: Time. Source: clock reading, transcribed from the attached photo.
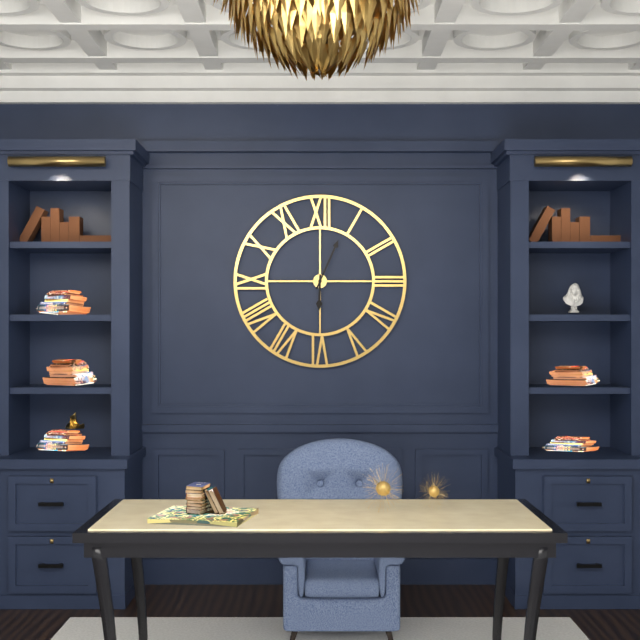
6:04
